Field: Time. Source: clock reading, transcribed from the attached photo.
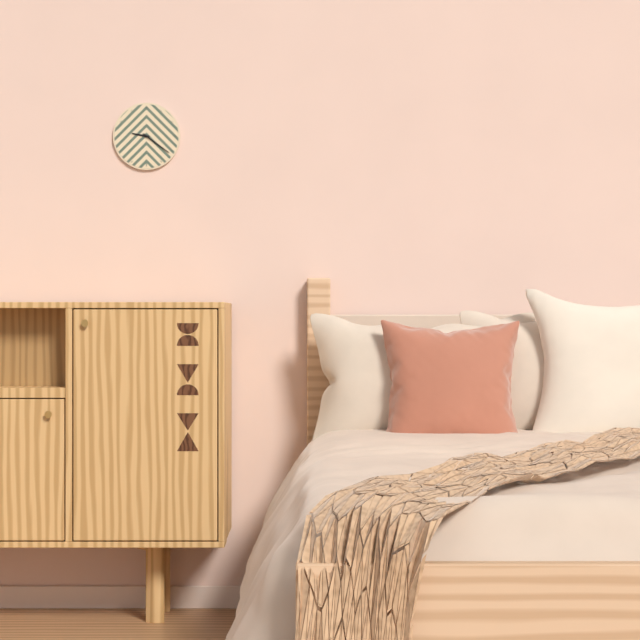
9:21
